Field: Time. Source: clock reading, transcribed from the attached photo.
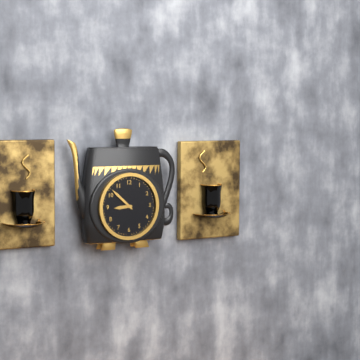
8:52
